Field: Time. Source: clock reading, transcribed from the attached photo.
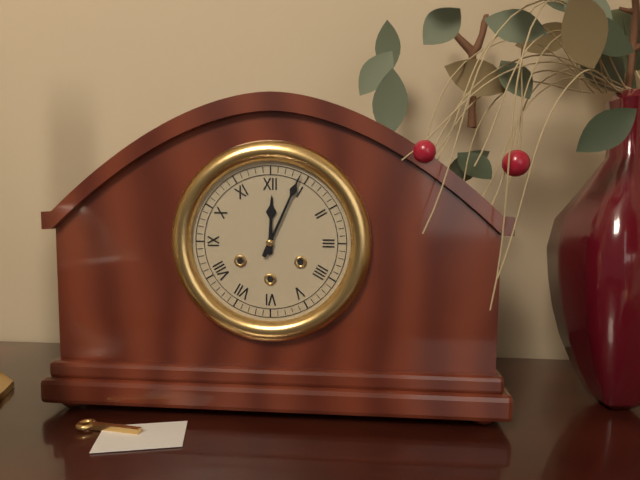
12:04
